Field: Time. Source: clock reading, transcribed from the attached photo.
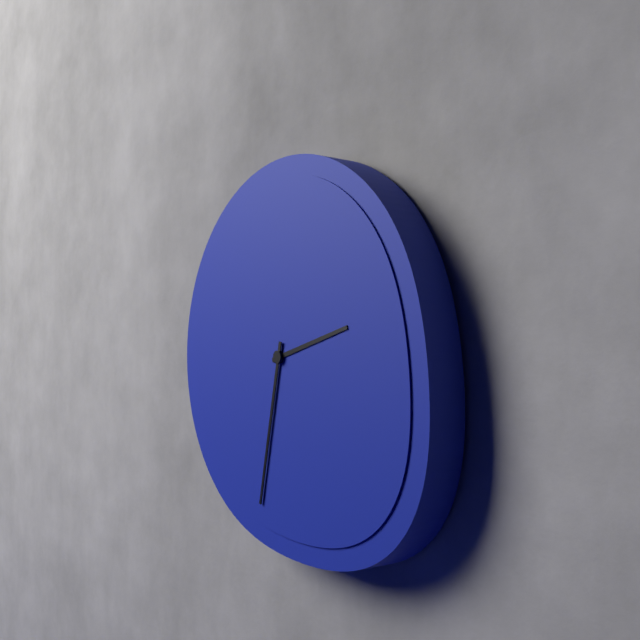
2:32
